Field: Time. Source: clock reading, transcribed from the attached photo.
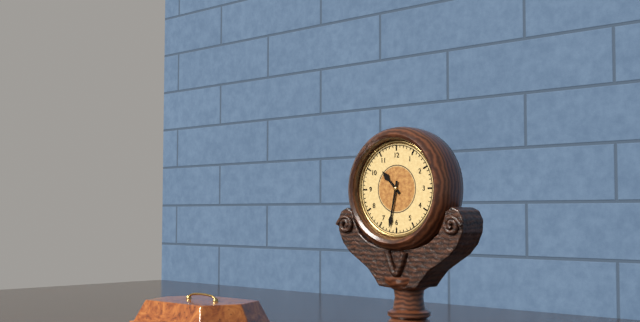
10:32
